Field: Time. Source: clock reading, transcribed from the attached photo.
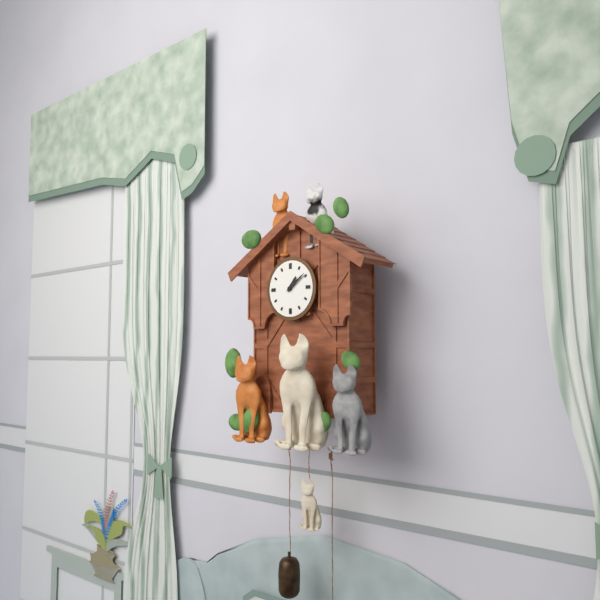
1:09
